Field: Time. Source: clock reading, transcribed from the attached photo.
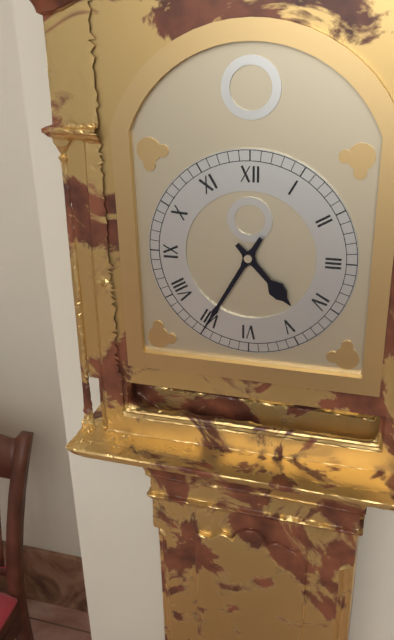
4:35
